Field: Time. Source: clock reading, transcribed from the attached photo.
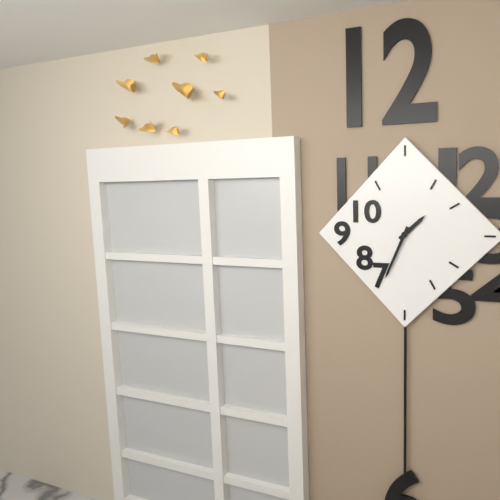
1:34
